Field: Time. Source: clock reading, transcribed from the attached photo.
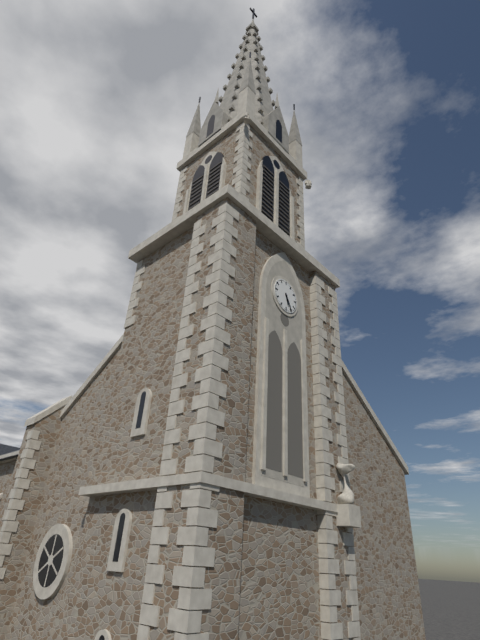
5:25
